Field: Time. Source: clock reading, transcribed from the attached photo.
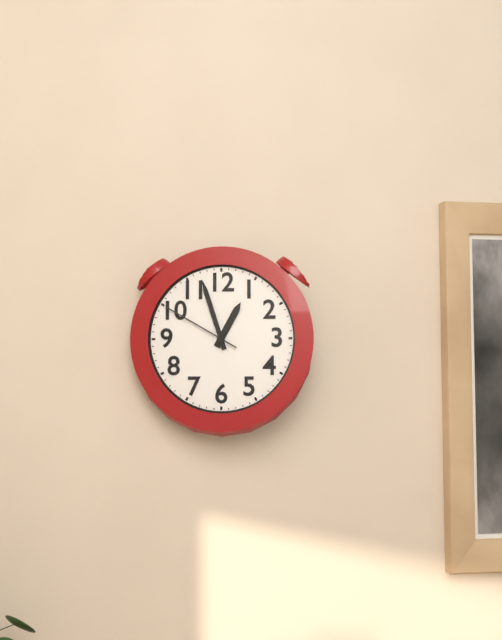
12:57:50
